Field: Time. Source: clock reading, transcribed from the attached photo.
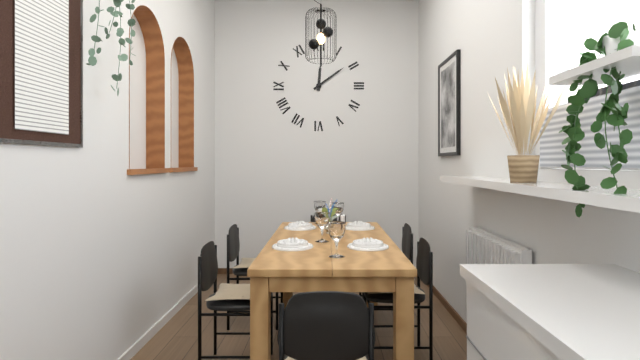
12:09
